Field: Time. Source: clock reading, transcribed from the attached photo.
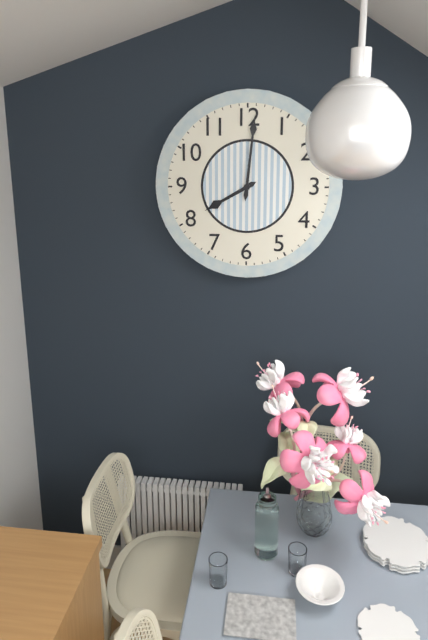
8:01
